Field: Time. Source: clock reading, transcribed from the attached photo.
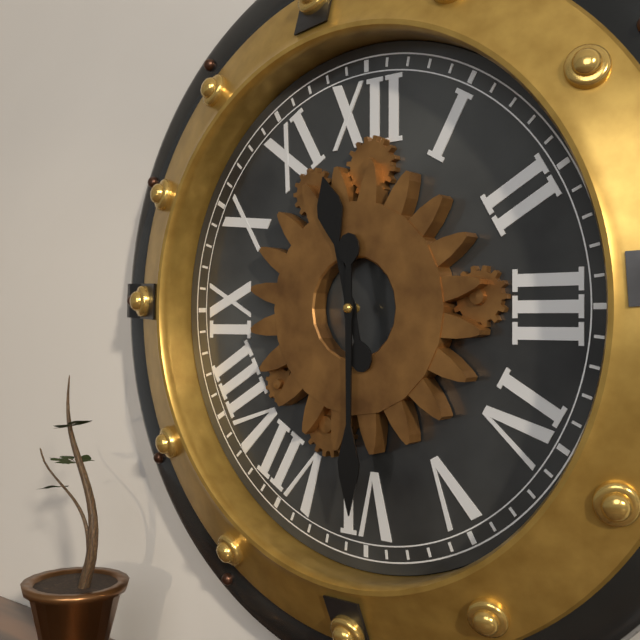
11:30
